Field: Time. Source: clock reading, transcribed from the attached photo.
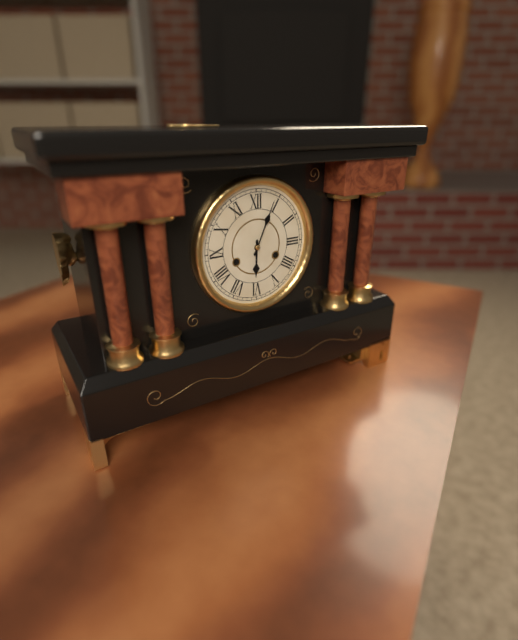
6:04
